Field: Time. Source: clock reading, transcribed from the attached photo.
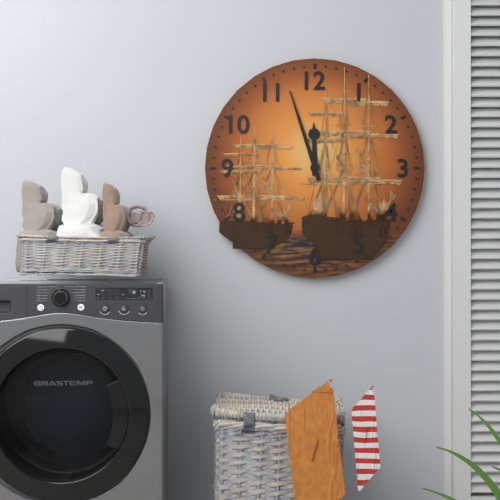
11:57
